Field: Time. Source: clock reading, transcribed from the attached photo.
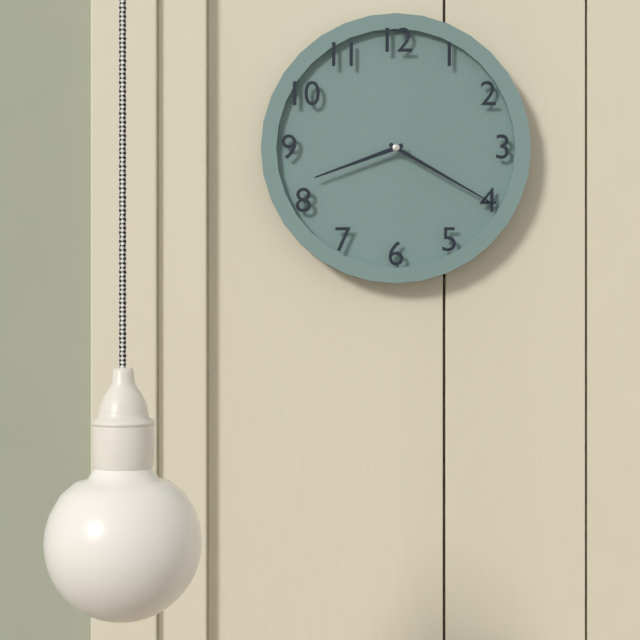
8:20
